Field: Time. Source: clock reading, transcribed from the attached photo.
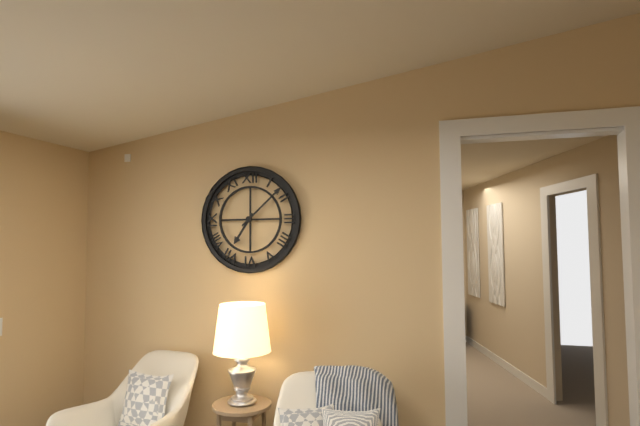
7:08
